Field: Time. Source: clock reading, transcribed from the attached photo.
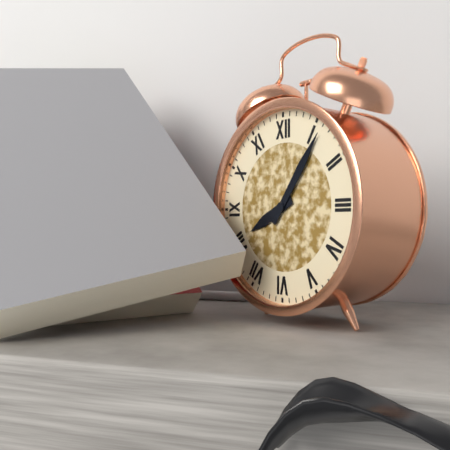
8:06
